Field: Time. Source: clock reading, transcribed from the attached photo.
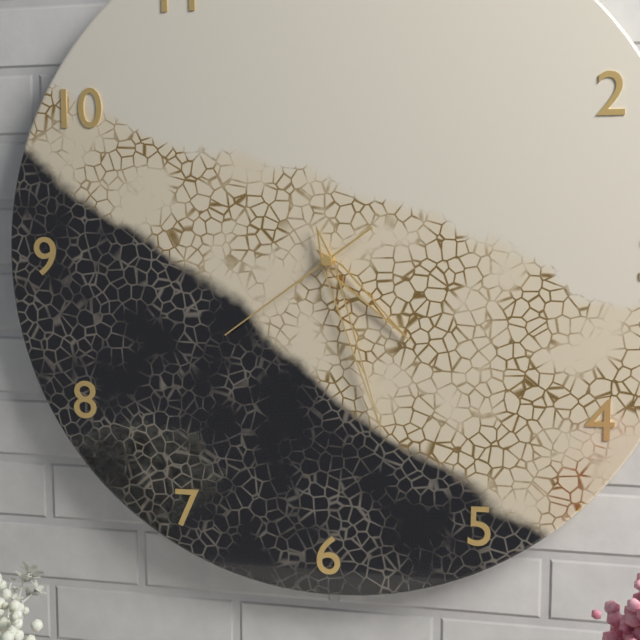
4:27:39
